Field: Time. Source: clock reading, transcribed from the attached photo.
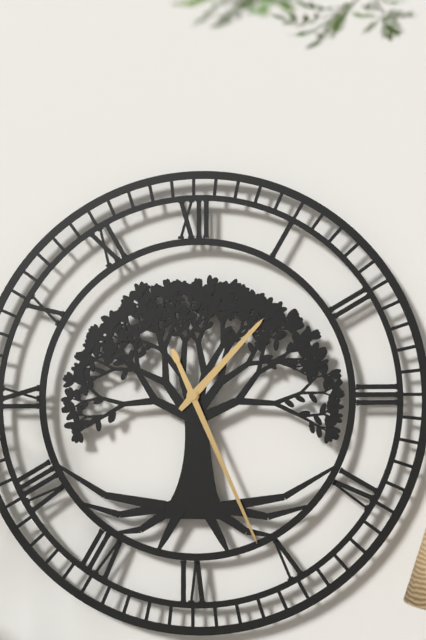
1:26
